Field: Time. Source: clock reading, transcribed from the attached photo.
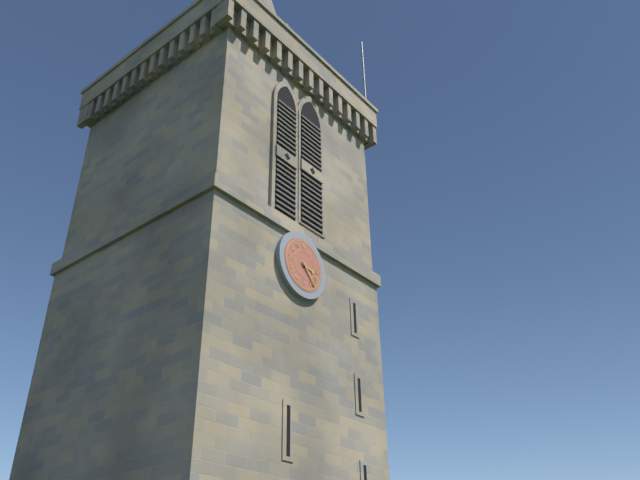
3:23
